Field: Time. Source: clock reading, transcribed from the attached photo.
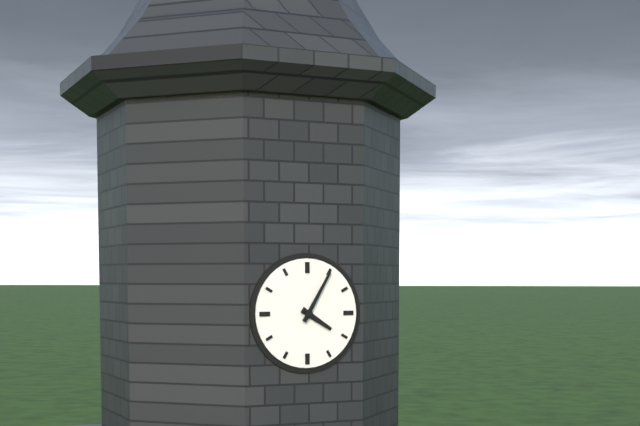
4:05
